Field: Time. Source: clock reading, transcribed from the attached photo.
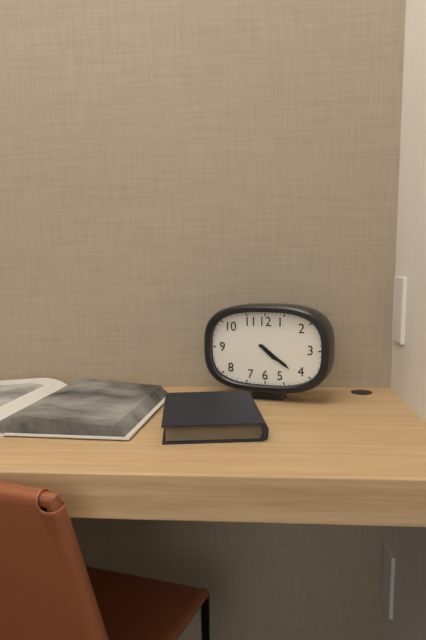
4:21
